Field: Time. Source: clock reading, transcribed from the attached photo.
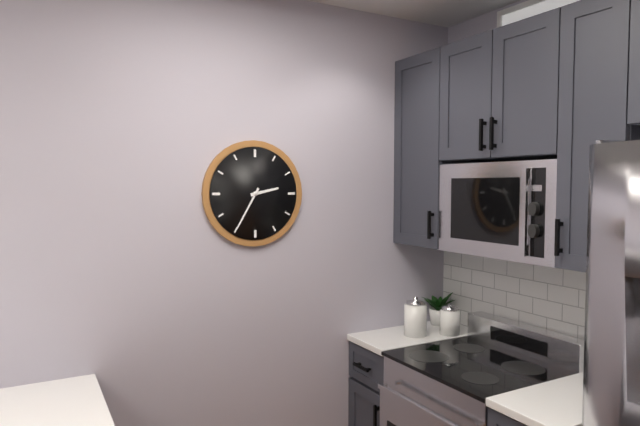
2:35
